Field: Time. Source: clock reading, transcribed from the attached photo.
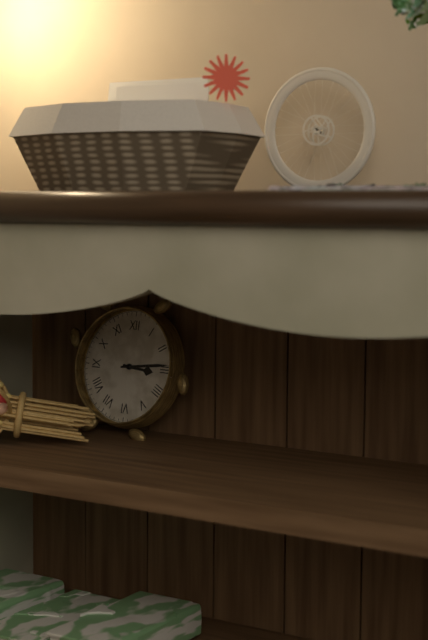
3:14
